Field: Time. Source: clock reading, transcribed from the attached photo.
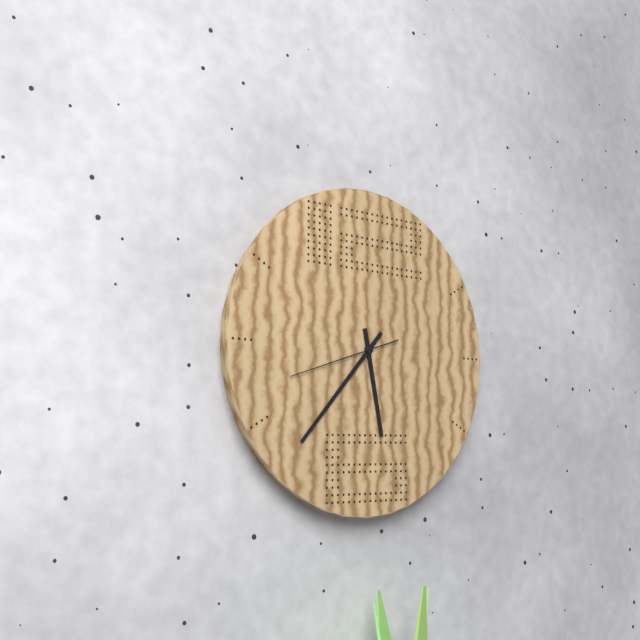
5:37:42
